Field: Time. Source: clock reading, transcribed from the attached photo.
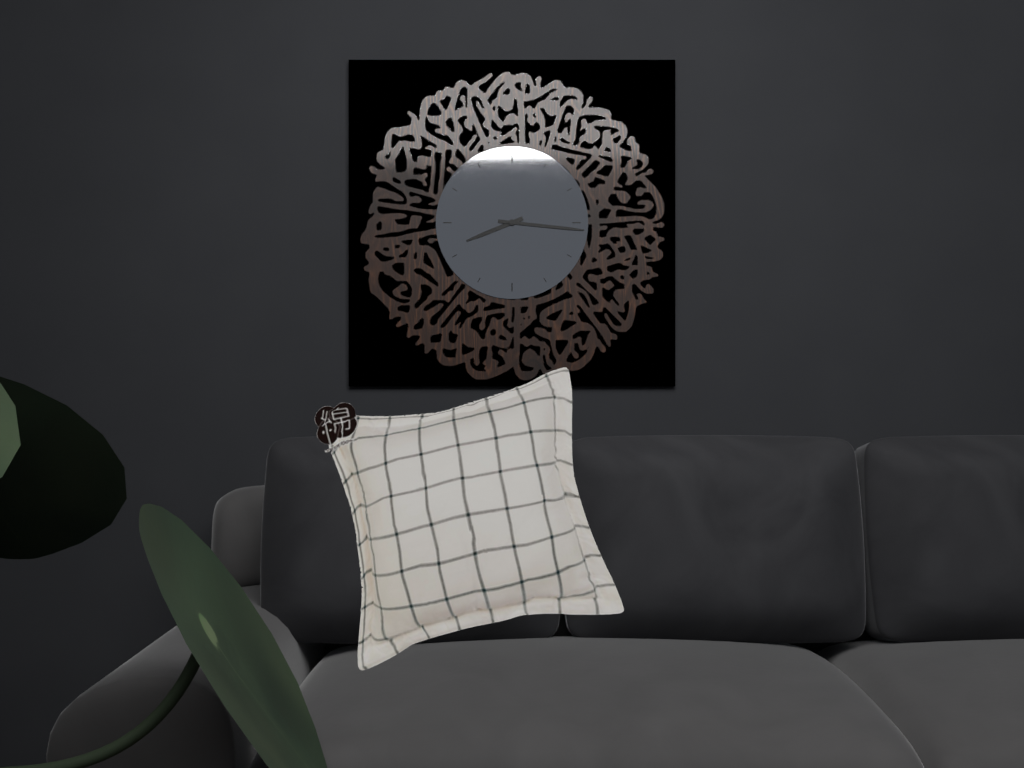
8:16
